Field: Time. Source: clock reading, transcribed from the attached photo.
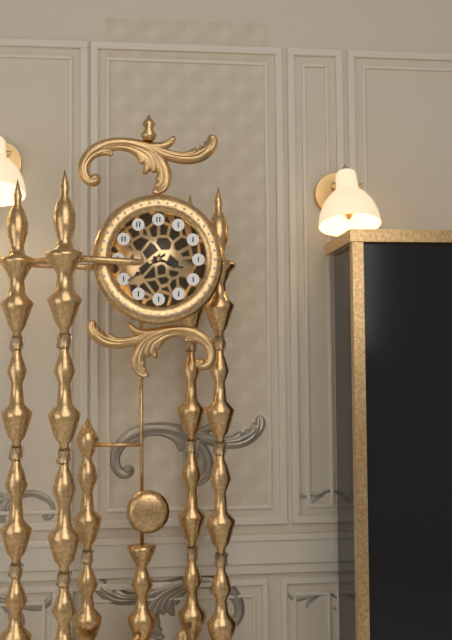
3:39
